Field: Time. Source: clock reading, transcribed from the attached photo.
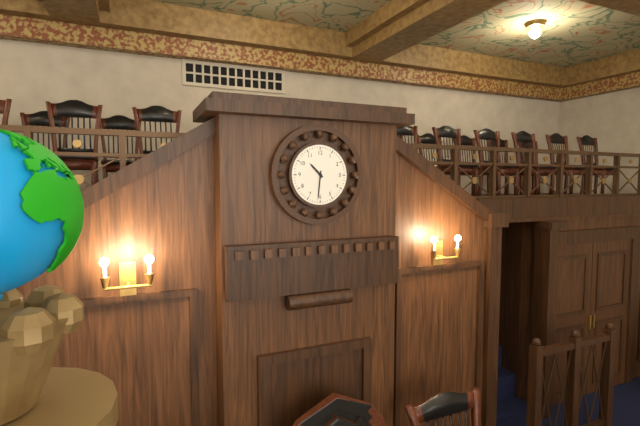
10:31
